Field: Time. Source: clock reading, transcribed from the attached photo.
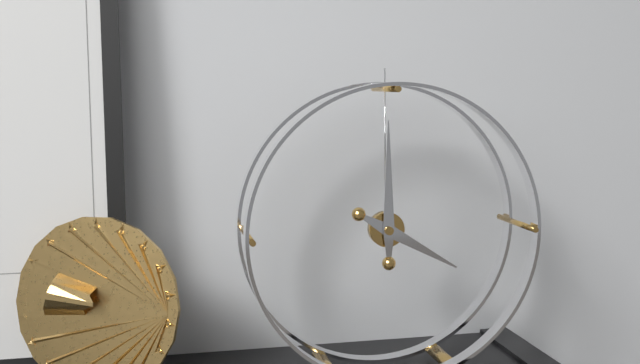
4:00
